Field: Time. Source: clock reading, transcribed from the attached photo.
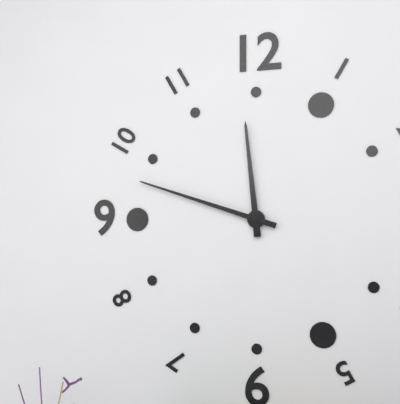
11:48
